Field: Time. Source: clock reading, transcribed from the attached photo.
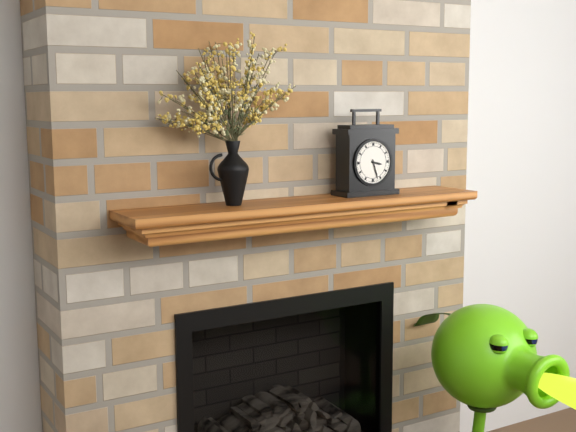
3:27
